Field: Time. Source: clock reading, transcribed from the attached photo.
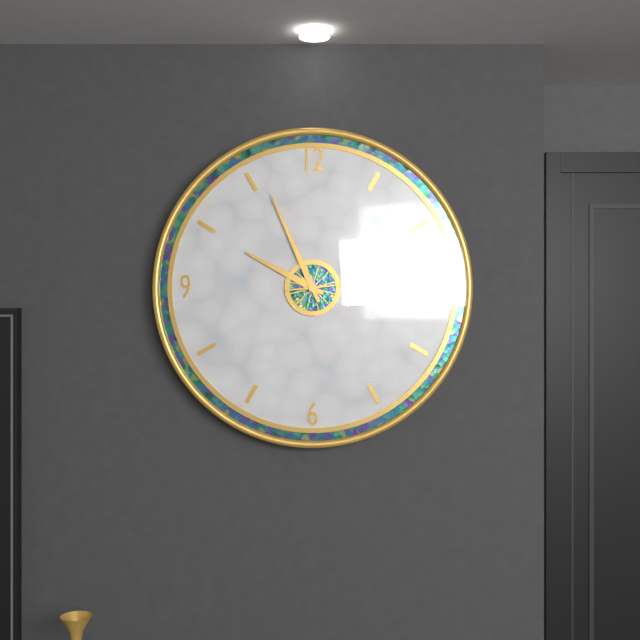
9:56:14
